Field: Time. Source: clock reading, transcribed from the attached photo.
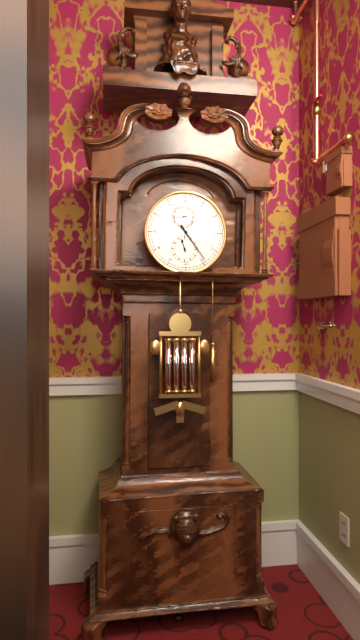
11:24
